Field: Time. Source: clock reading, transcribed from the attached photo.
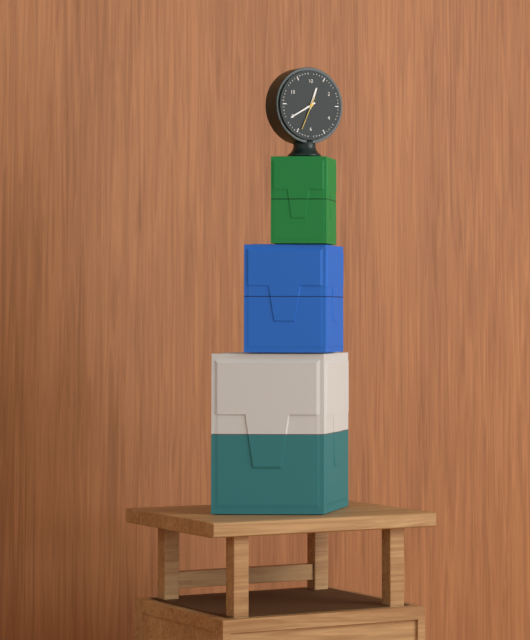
12:40
